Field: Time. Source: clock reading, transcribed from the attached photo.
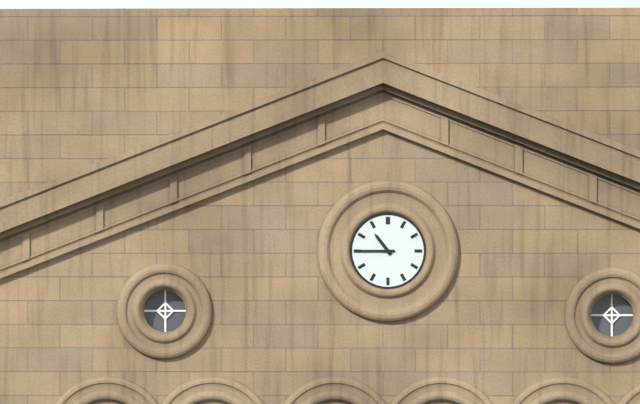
10:45
